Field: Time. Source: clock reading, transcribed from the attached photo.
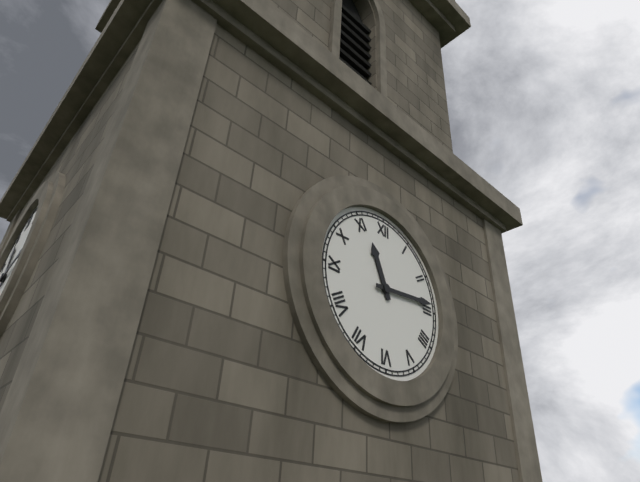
11:14
